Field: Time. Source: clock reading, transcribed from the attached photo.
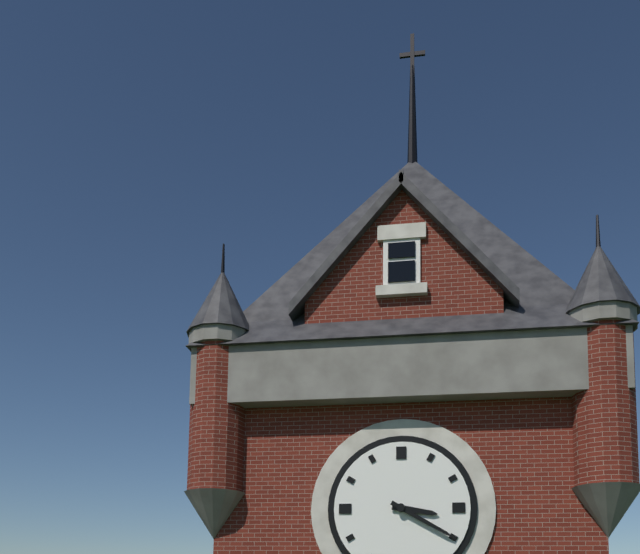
3:20
